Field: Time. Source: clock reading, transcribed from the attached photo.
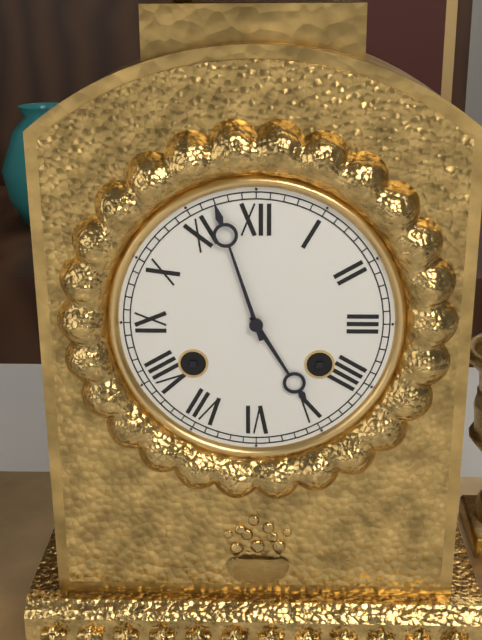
4:57
